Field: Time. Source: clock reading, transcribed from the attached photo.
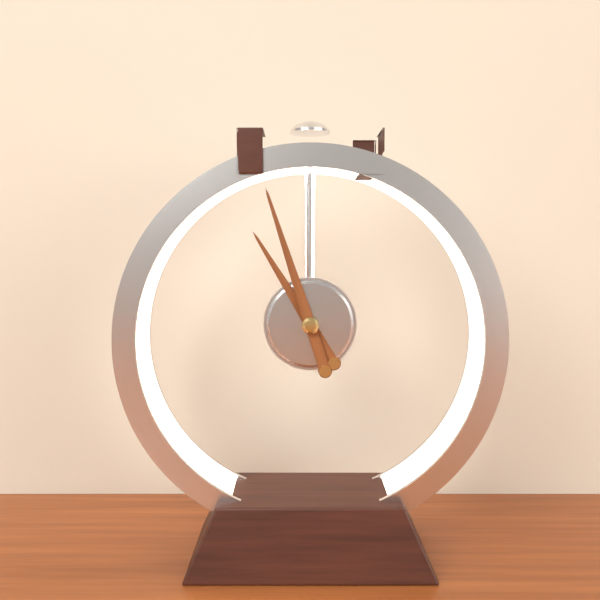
10:57
